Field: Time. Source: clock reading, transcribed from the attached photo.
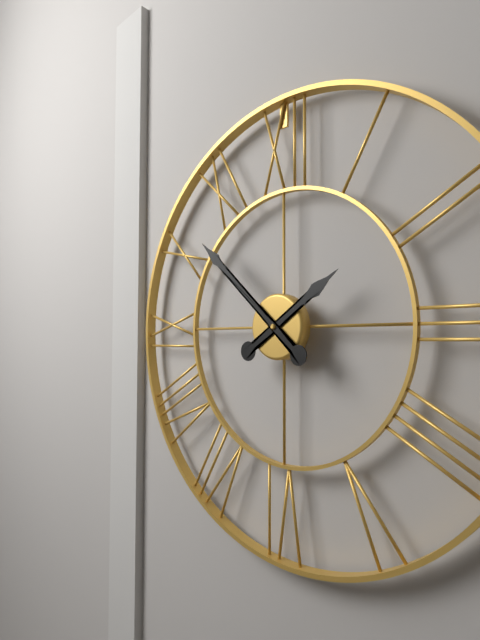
1:52
